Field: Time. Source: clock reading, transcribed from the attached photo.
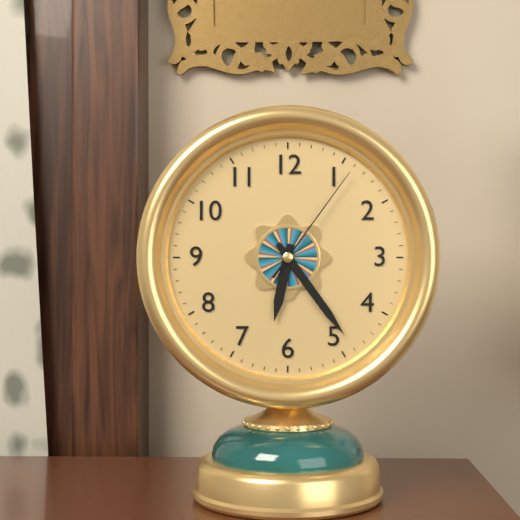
6:24:06
